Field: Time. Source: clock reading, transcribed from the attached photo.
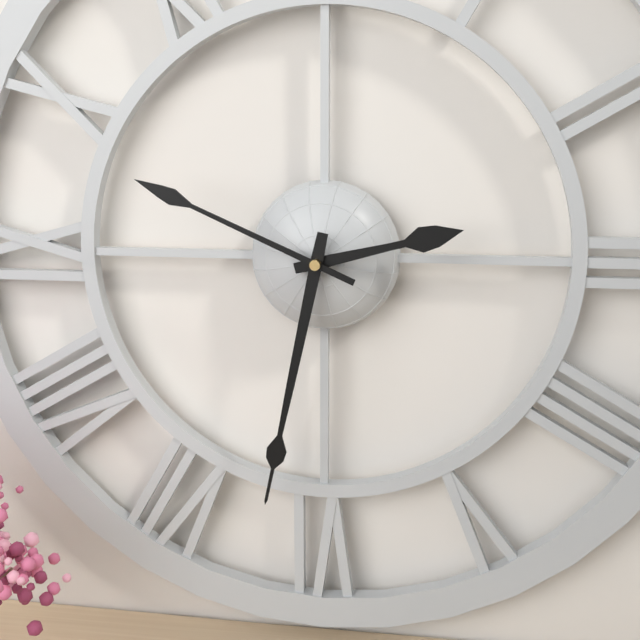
2:32:49
